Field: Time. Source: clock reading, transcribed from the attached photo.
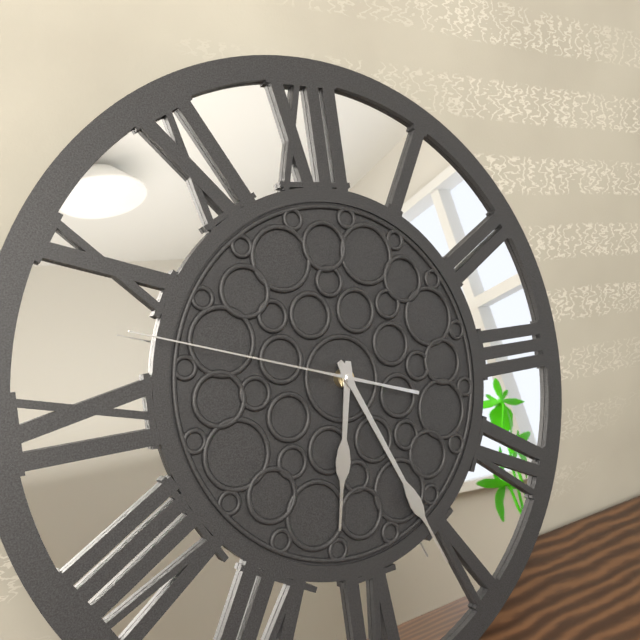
6:26:48
